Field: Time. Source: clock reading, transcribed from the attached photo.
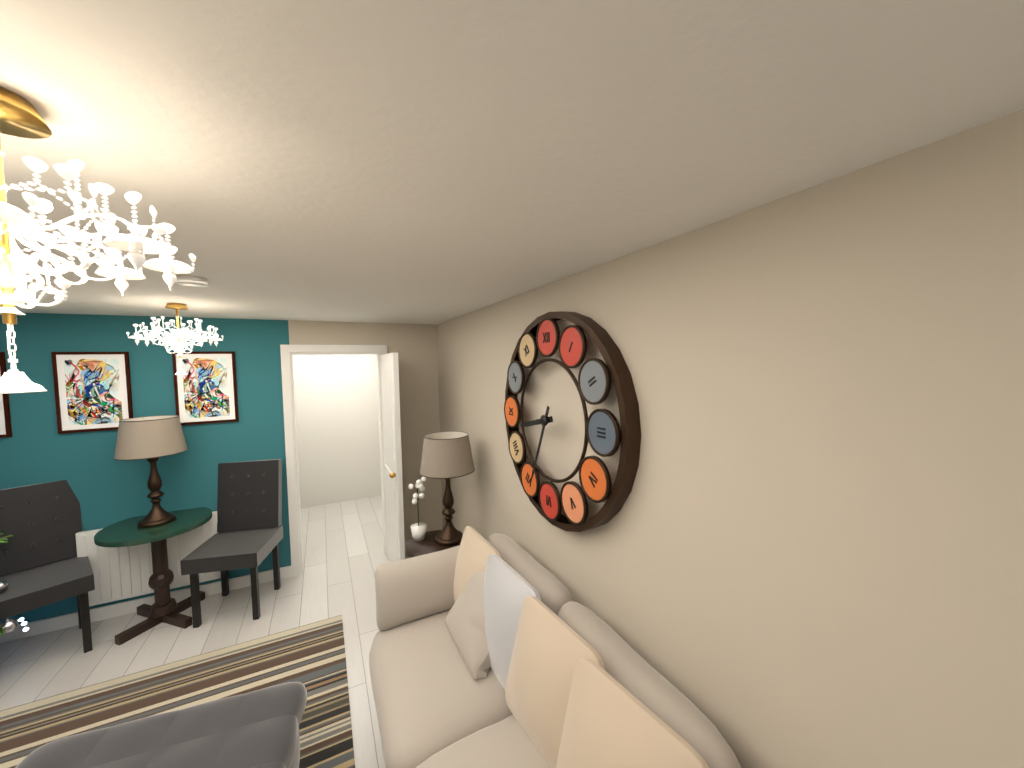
8:34
